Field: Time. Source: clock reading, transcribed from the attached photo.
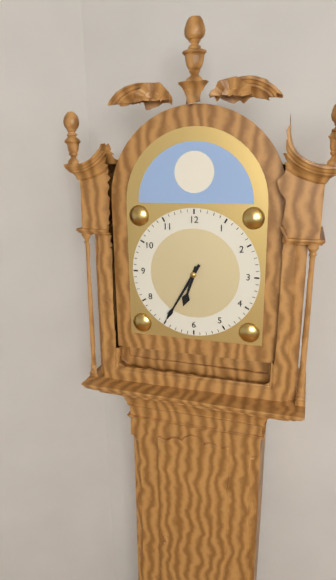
6:35
